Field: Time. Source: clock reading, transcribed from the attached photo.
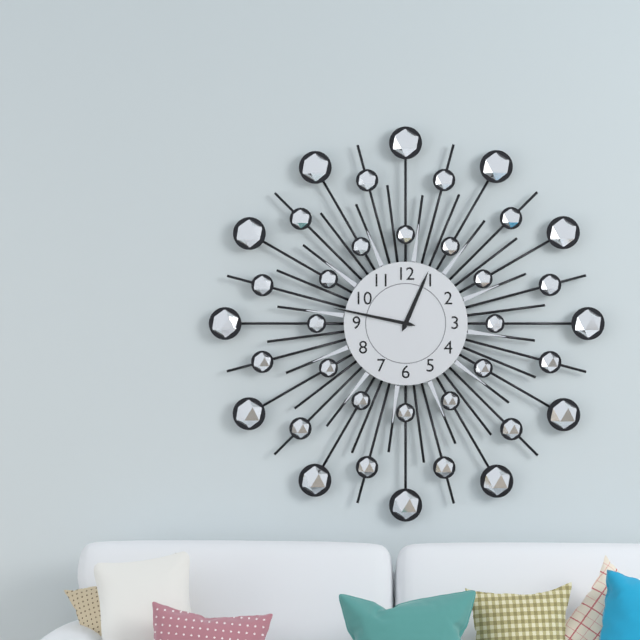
12:47
